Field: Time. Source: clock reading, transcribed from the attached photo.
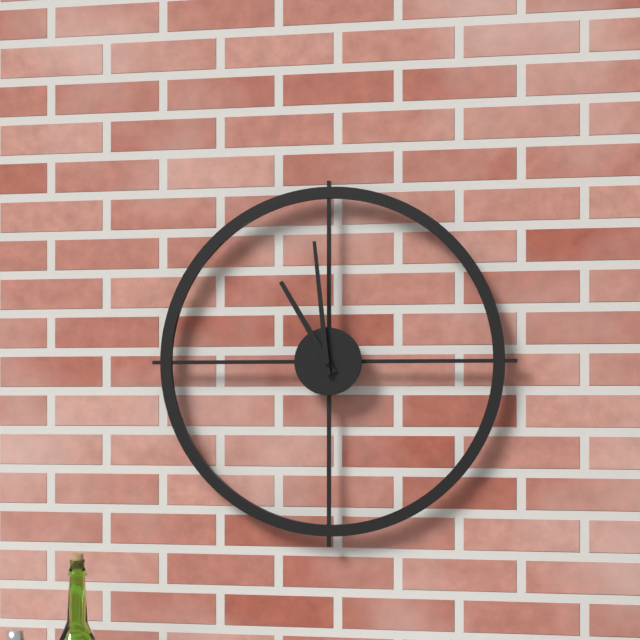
10:59
